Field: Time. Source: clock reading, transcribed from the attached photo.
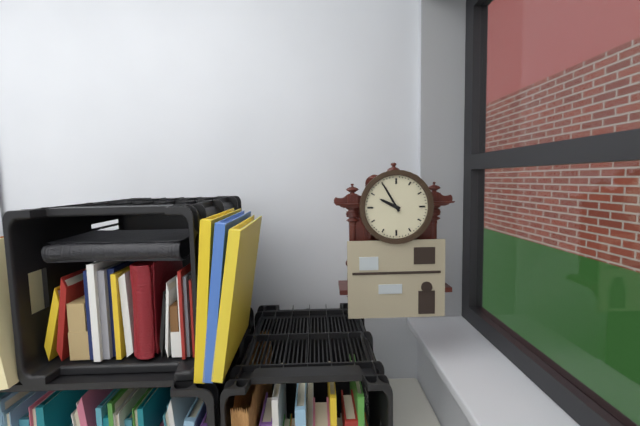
9:55
